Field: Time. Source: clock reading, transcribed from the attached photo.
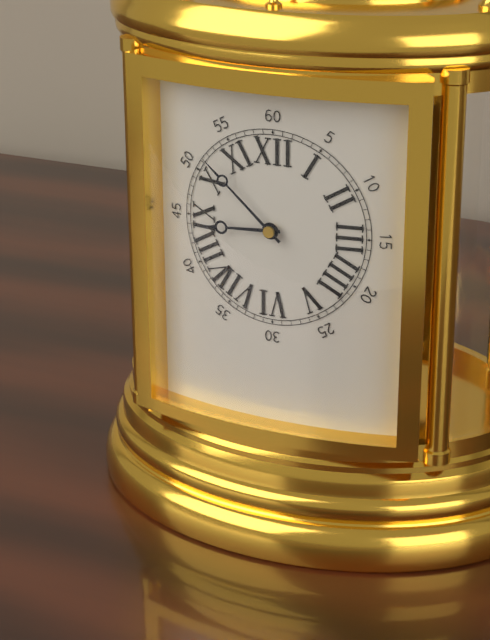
8:52
